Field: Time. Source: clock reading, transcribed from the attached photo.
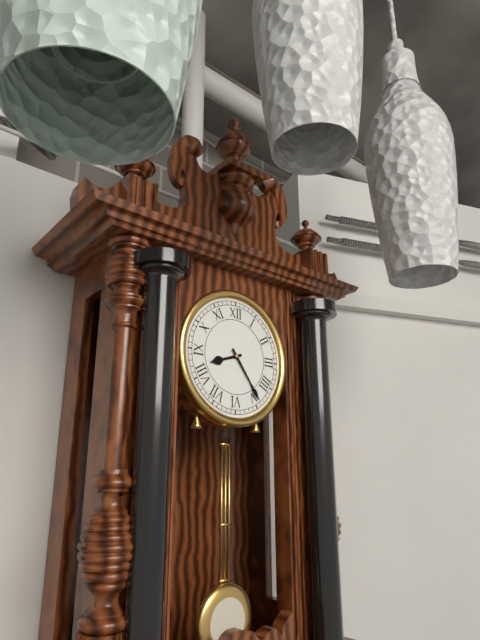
8:24
